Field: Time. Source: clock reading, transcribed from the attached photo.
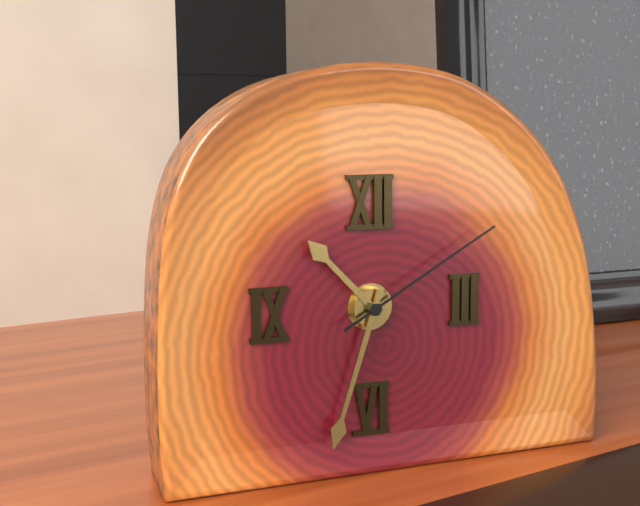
10:33:10
